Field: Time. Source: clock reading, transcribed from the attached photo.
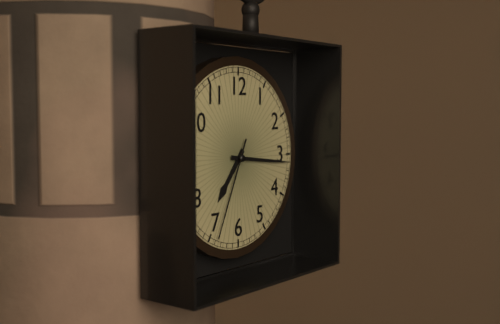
7:16:34
